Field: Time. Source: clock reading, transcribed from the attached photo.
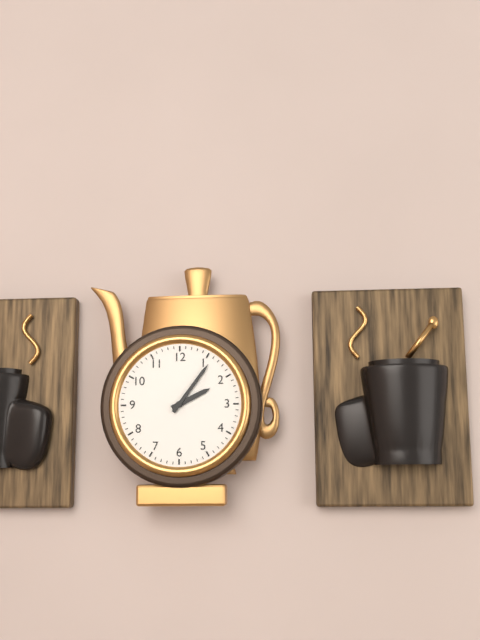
2:06
